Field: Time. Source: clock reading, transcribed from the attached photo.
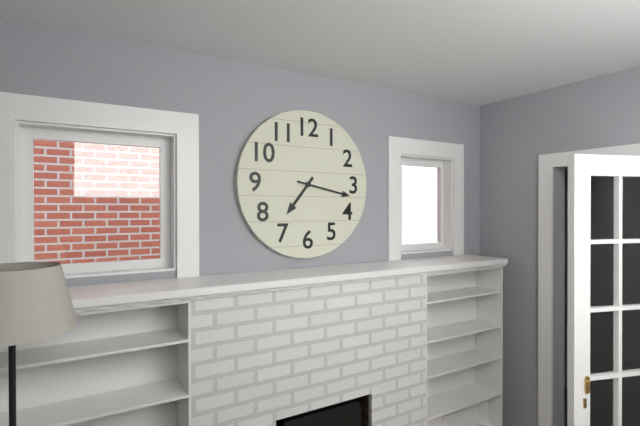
7:17
